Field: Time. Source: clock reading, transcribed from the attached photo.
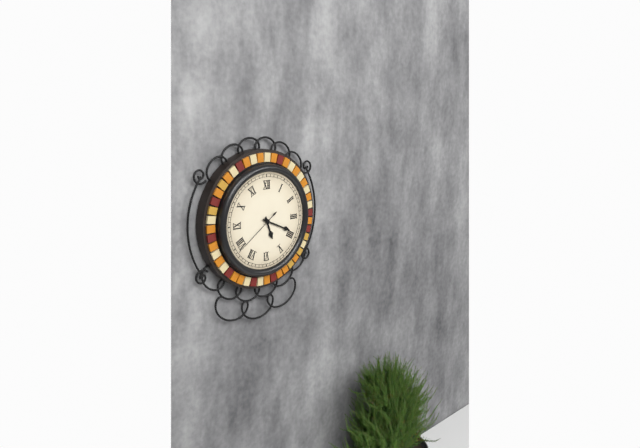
5:19
